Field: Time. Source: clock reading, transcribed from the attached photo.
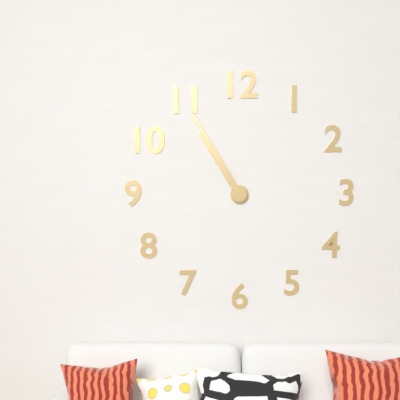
10:55
